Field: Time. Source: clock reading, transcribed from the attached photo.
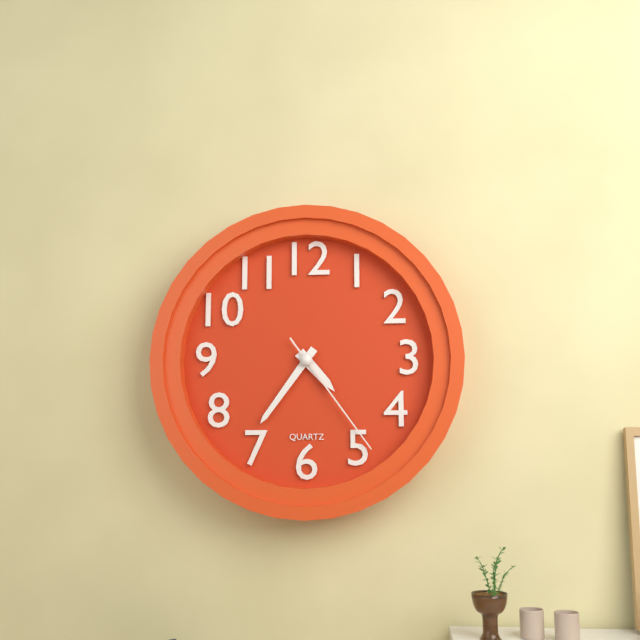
4:36:24
